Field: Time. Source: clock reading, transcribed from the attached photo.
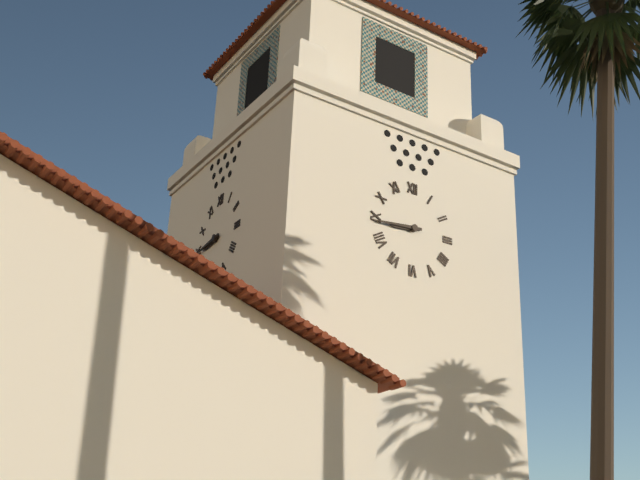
8:44
